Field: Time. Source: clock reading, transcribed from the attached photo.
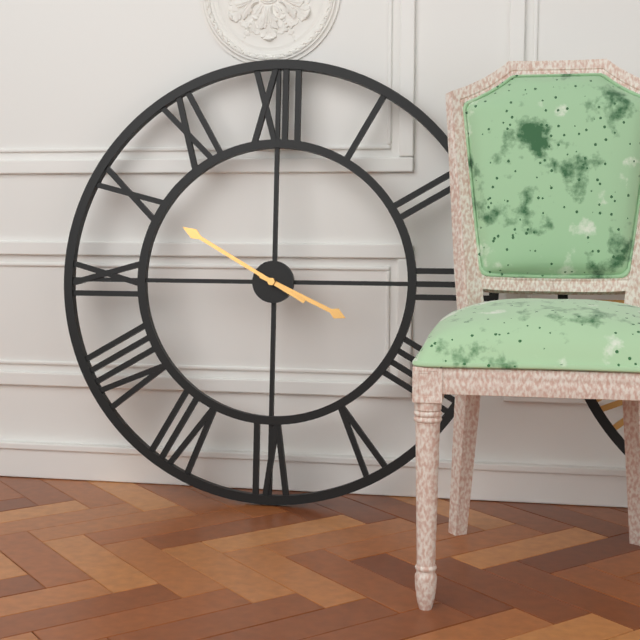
3:50
